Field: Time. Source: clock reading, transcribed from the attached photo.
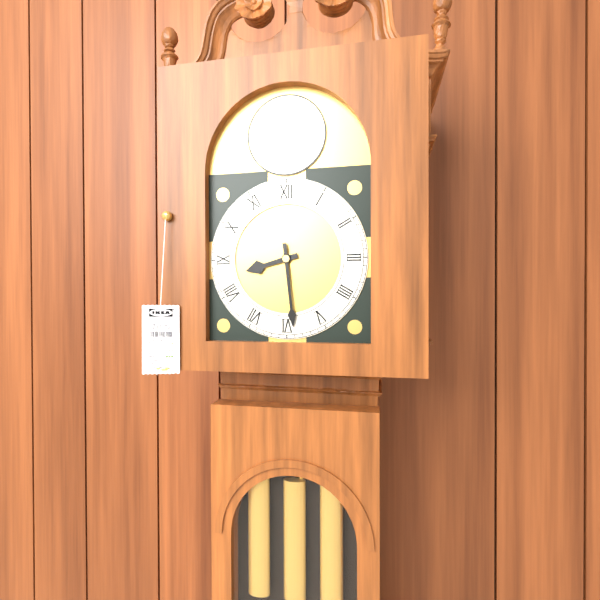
8:29
